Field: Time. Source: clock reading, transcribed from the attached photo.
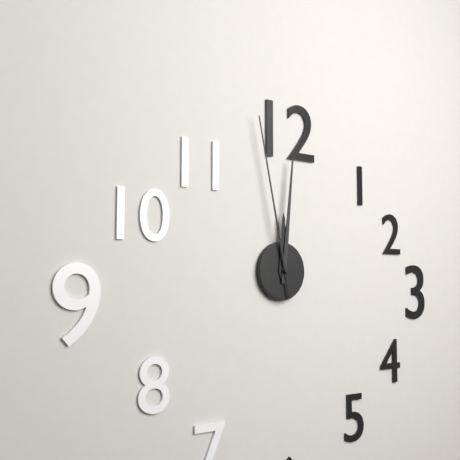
12:01:58
